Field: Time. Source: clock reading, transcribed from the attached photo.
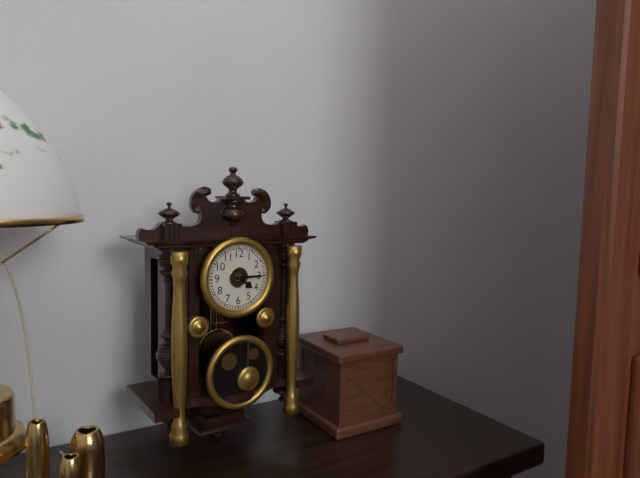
4:15
